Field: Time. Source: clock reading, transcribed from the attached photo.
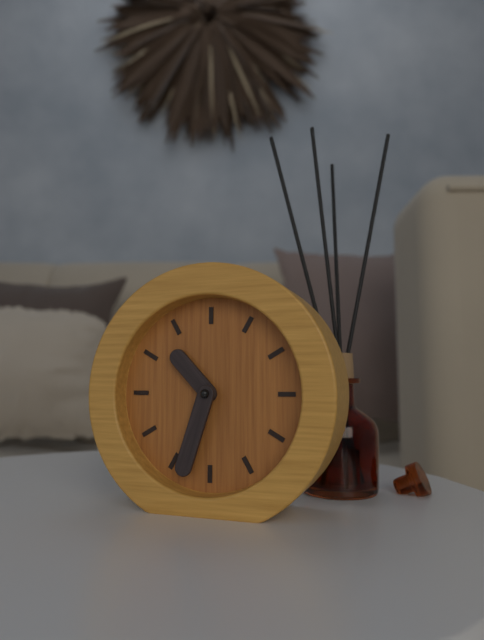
10:33
